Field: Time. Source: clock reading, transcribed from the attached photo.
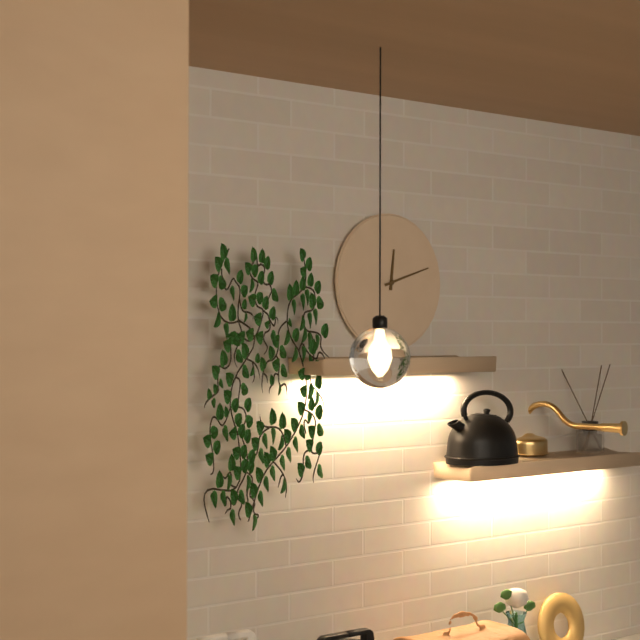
12:12
